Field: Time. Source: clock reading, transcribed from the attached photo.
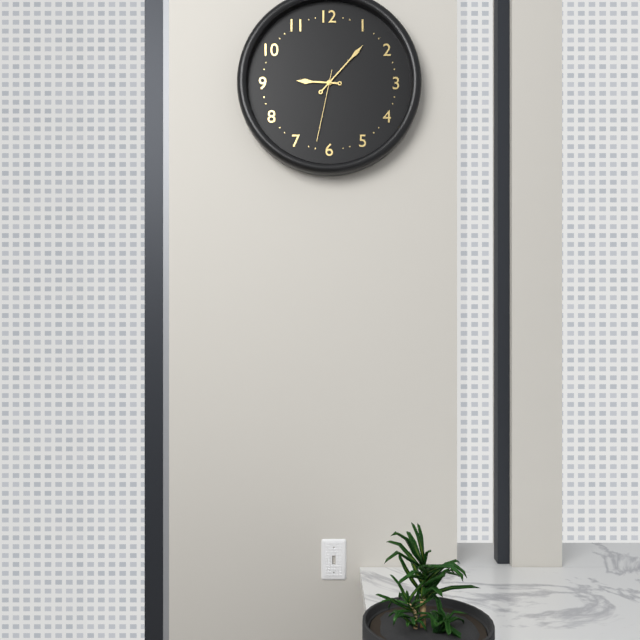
9:07:32
